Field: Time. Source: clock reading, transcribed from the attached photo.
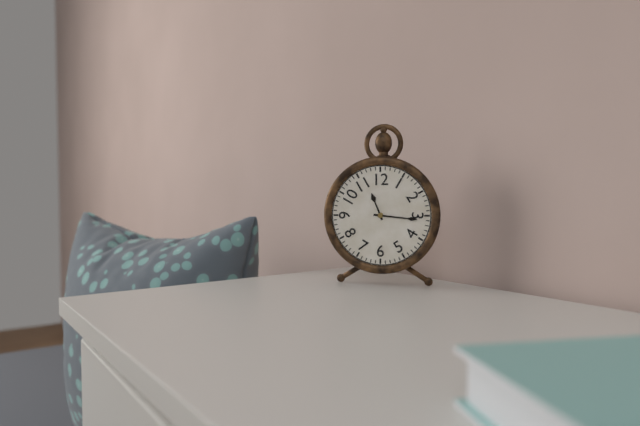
11:16
